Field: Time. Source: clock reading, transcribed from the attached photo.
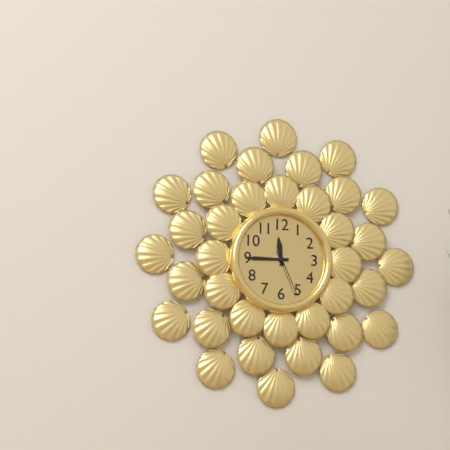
11:45:26
